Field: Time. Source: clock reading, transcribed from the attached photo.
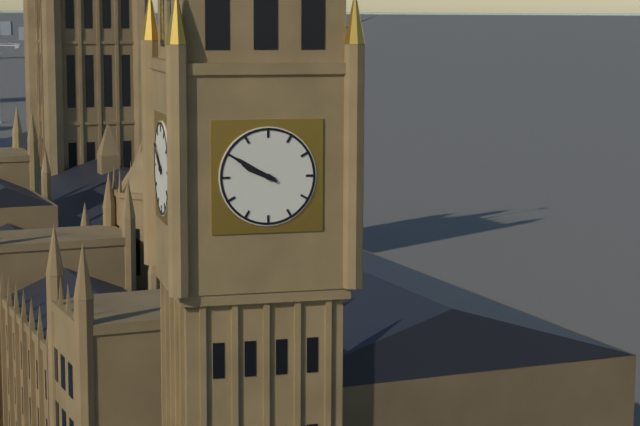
9:50
